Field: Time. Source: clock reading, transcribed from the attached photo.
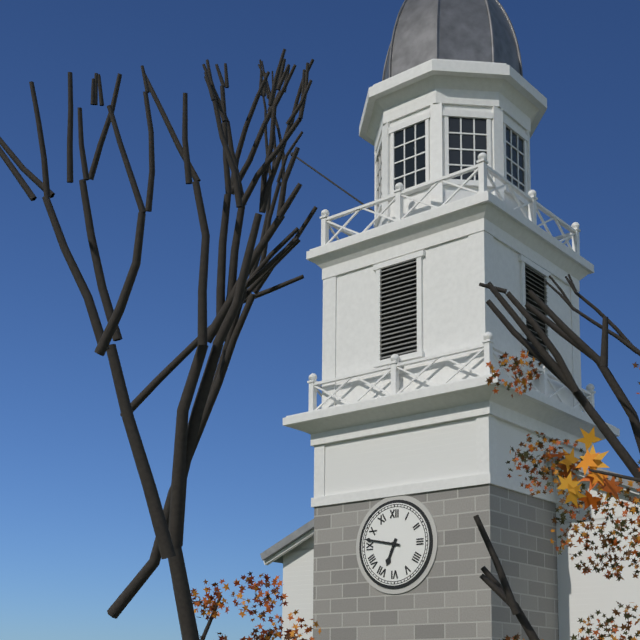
6:47
